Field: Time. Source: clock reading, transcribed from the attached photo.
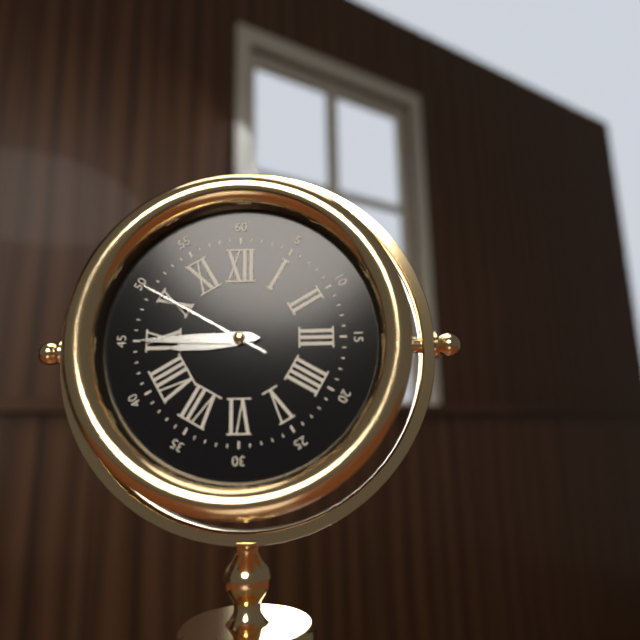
8:45:50
